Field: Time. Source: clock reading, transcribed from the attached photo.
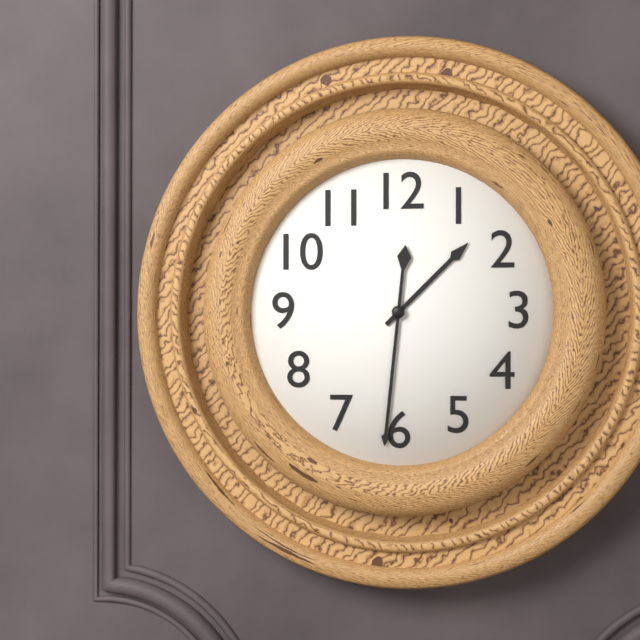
1:31
